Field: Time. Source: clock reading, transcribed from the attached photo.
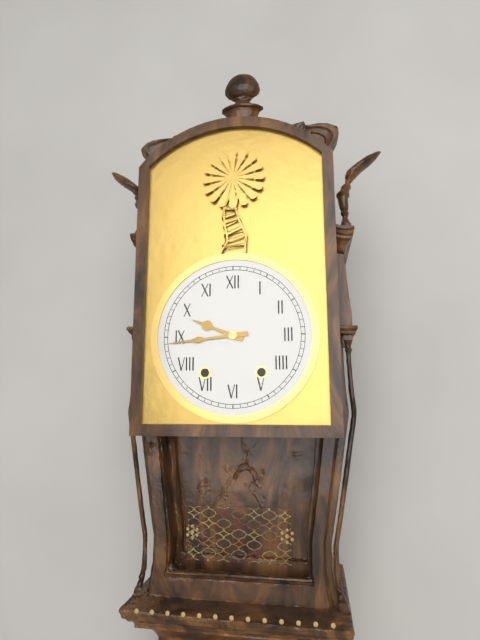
9:44
